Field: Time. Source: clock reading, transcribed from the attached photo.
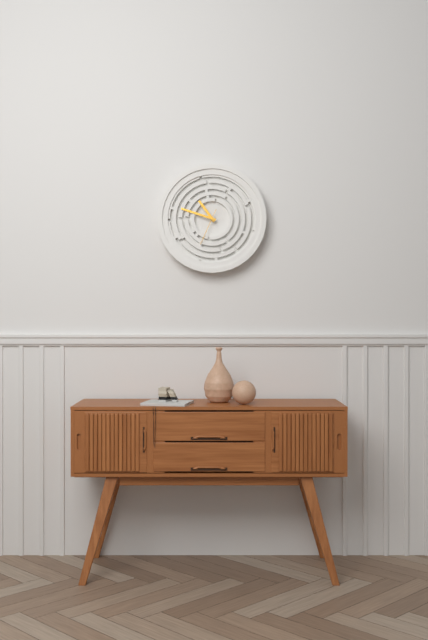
10:48
